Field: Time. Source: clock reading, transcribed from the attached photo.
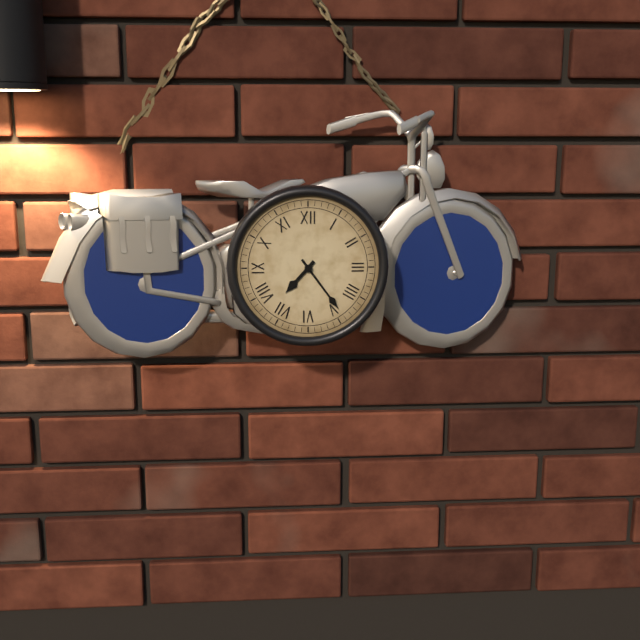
7:24
